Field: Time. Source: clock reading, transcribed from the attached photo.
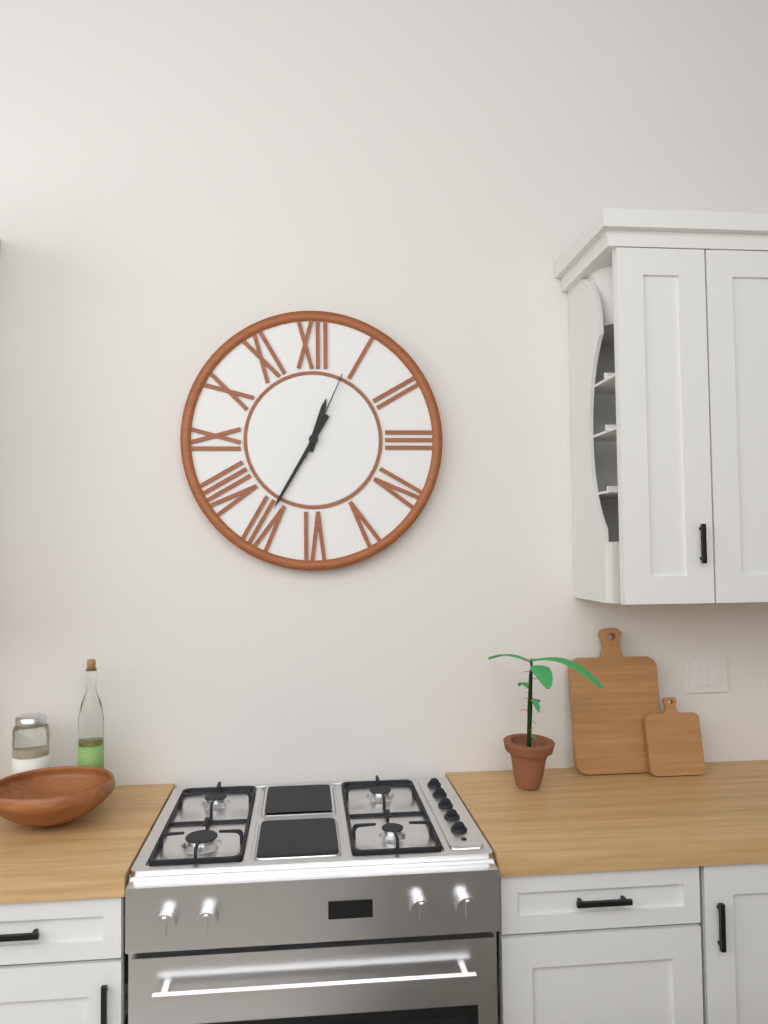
12:35:04
